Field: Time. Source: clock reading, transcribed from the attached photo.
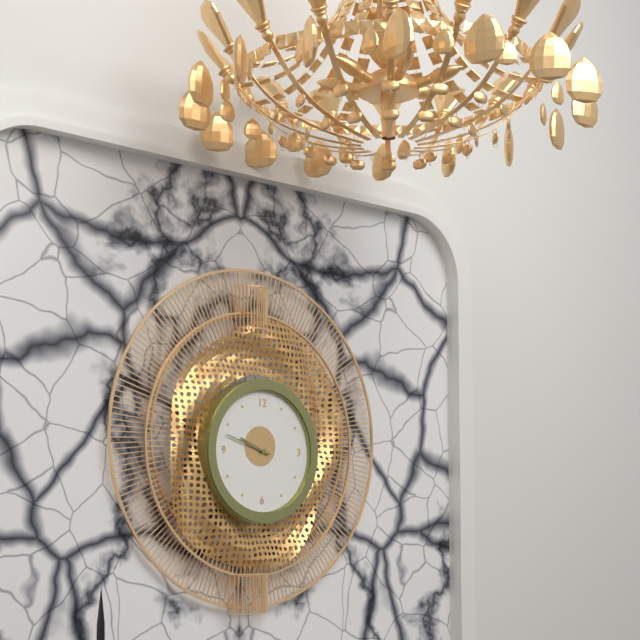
9:48
